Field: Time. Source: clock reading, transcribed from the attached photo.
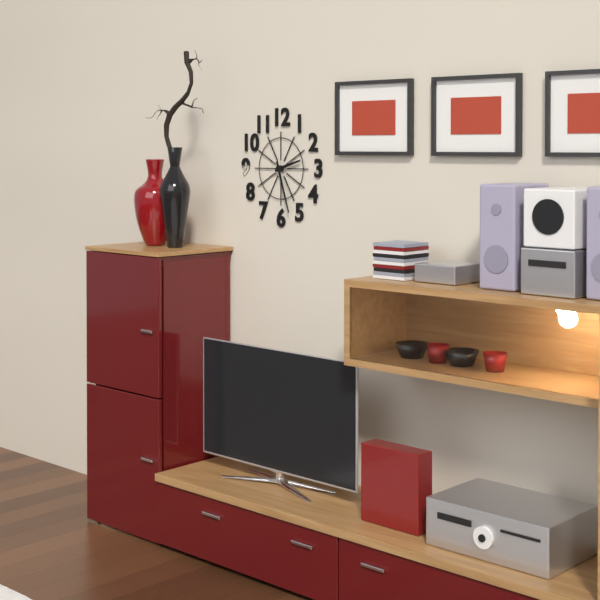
2:27
